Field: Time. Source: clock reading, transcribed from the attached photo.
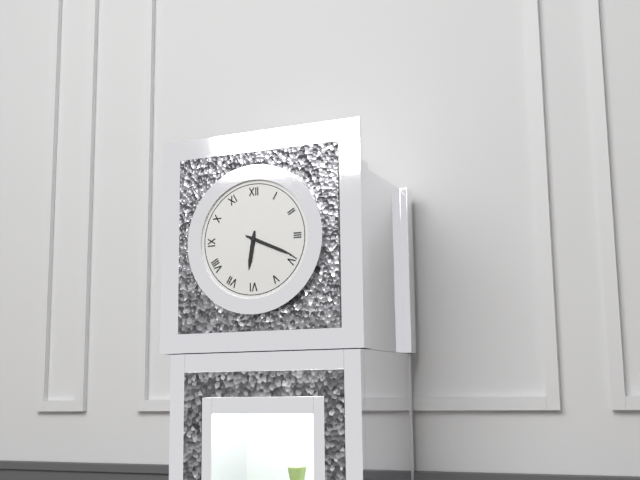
6:19
